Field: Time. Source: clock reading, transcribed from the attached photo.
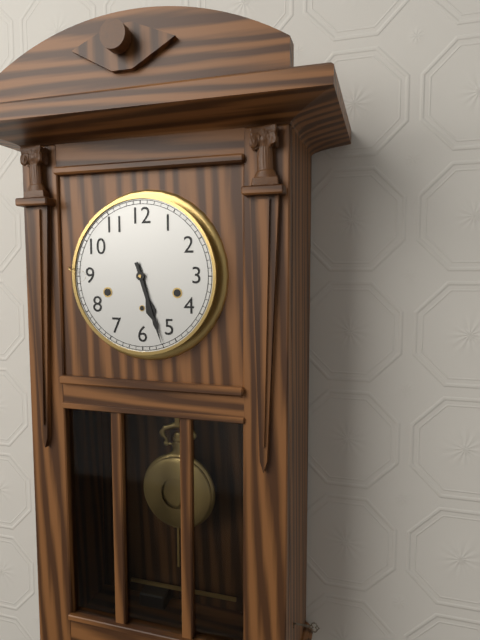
5:27
